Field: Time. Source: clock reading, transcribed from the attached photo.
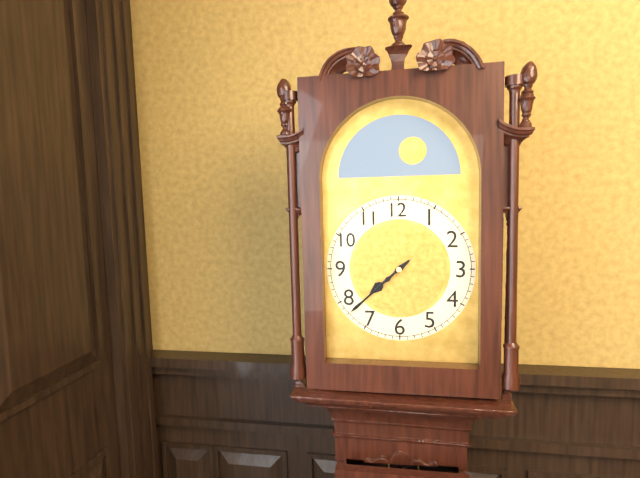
7:38
